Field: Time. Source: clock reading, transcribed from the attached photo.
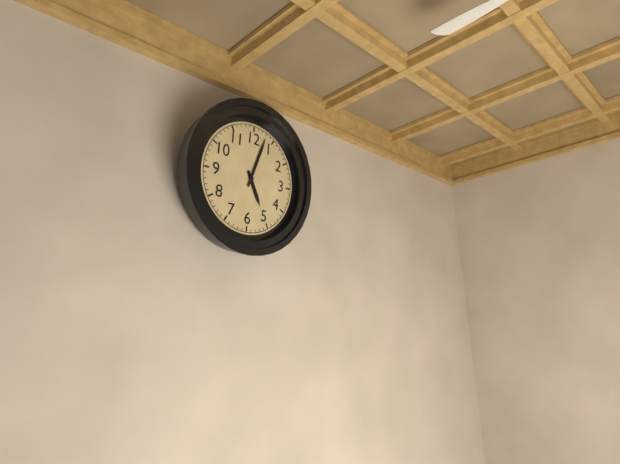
5:03
